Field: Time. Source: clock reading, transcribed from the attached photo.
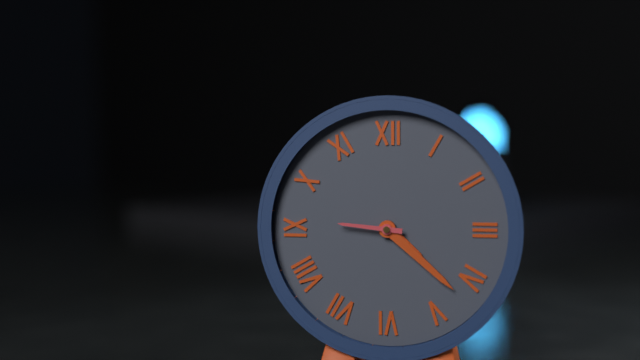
4:22:46
